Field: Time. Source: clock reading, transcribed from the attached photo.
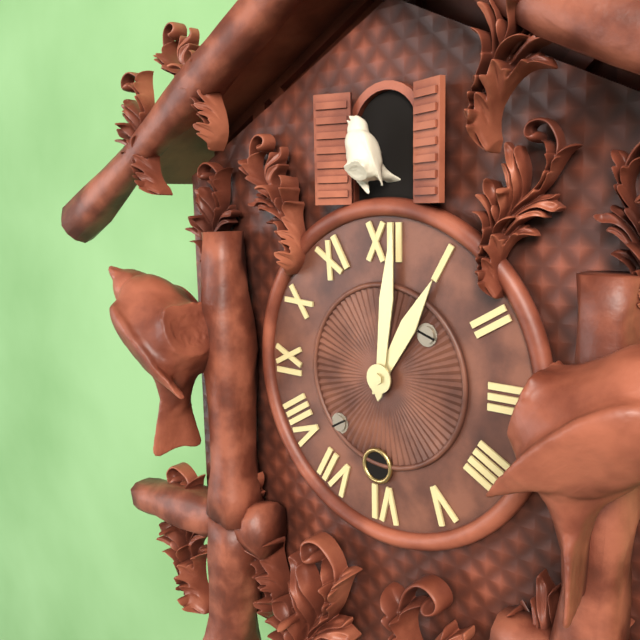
1:01
